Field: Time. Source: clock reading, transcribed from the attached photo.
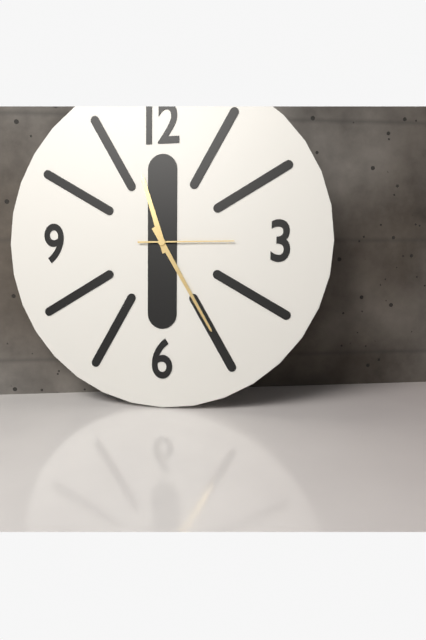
11:25:15
